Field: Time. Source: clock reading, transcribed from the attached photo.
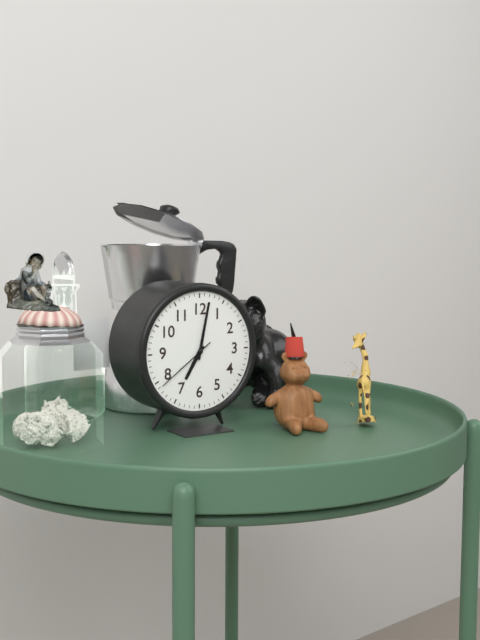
7:02:39
